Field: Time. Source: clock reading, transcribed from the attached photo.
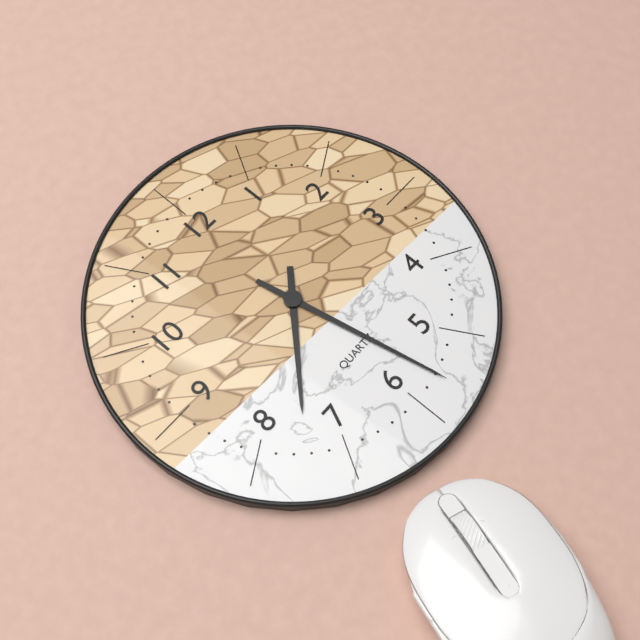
7:28
